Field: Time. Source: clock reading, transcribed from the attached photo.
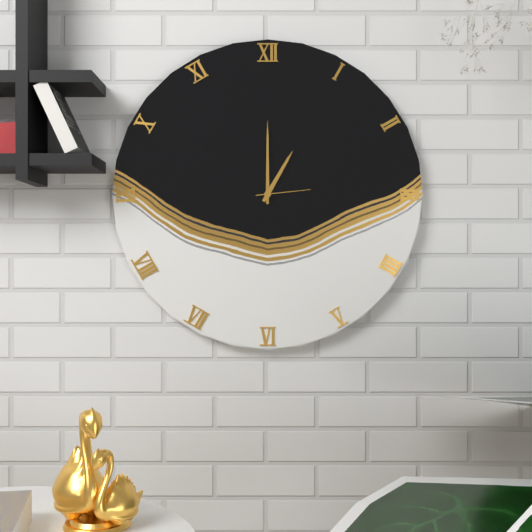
1:00:14
